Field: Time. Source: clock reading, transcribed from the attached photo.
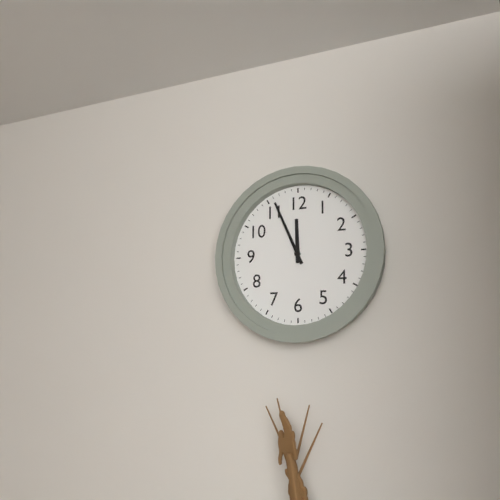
11:56
